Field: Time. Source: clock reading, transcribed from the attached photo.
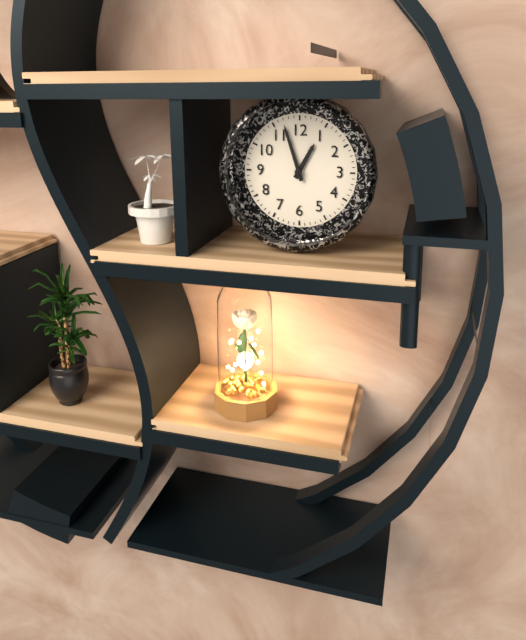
12:57
